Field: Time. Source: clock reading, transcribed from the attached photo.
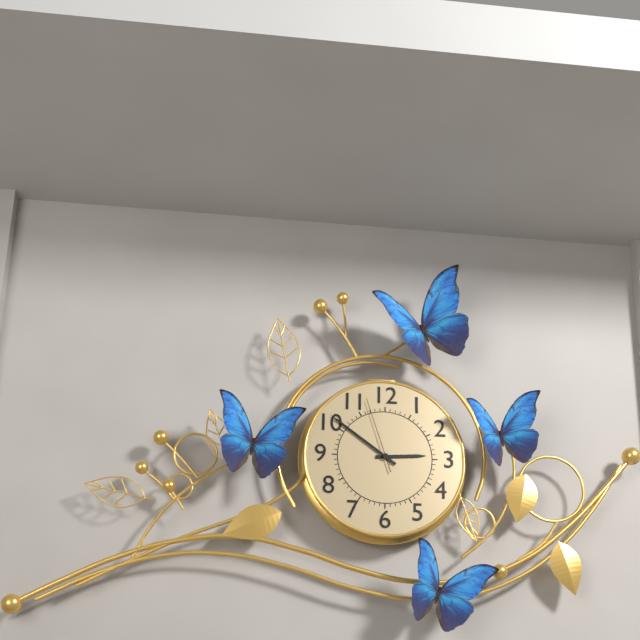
2:51:57
